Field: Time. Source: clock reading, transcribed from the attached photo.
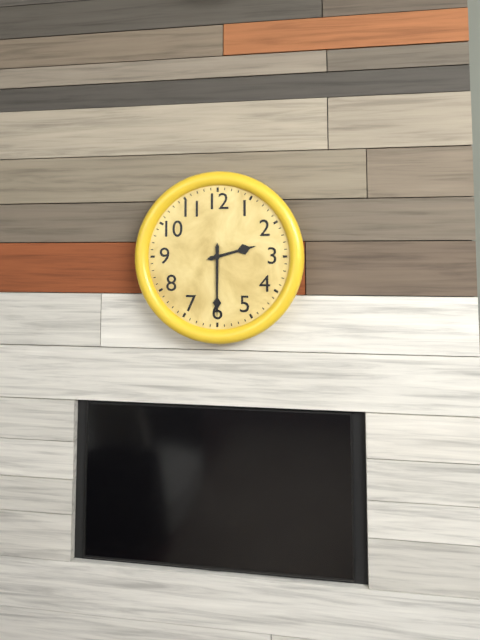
2:30
